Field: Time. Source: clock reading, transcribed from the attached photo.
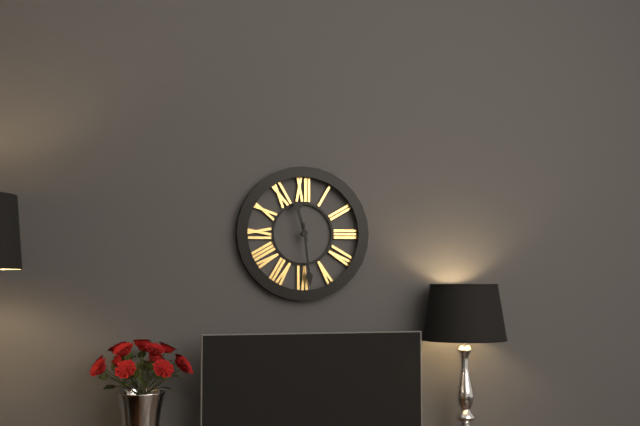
11:29
